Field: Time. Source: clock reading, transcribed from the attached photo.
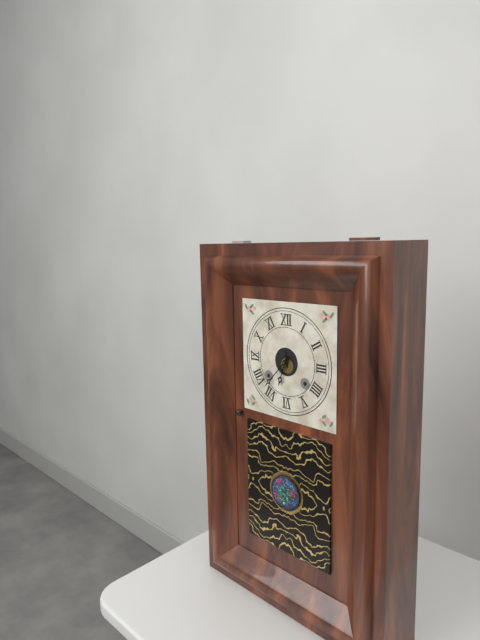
6:37
